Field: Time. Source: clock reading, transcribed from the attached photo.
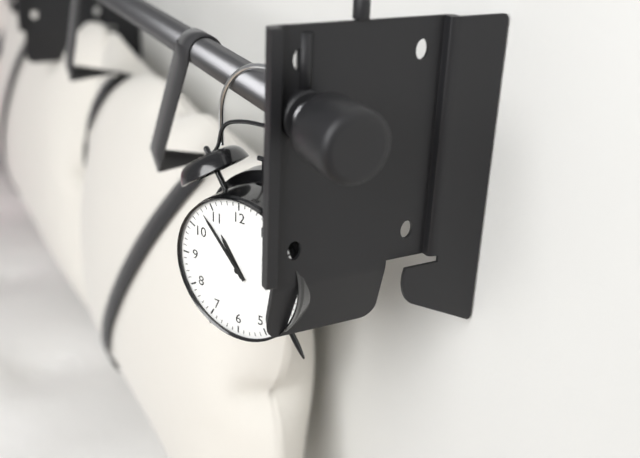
10:53
